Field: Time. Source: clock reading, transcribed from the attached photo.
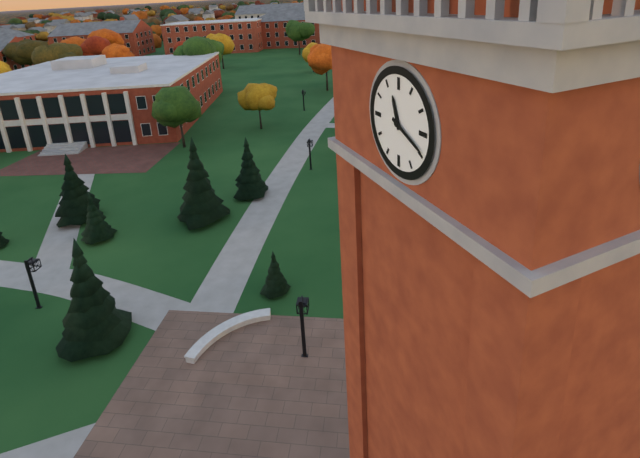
11:19
